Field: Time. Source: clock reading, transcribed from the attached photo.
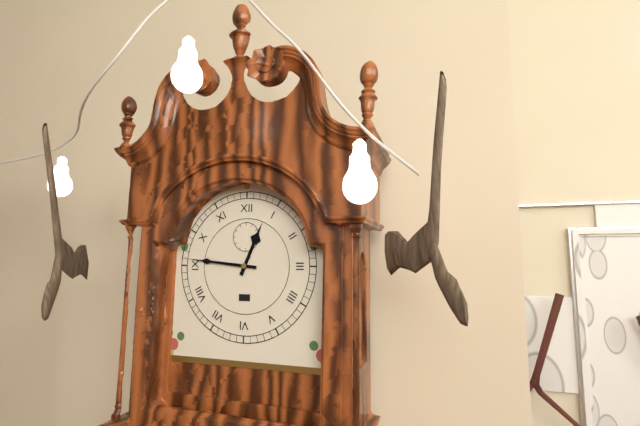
12:46
